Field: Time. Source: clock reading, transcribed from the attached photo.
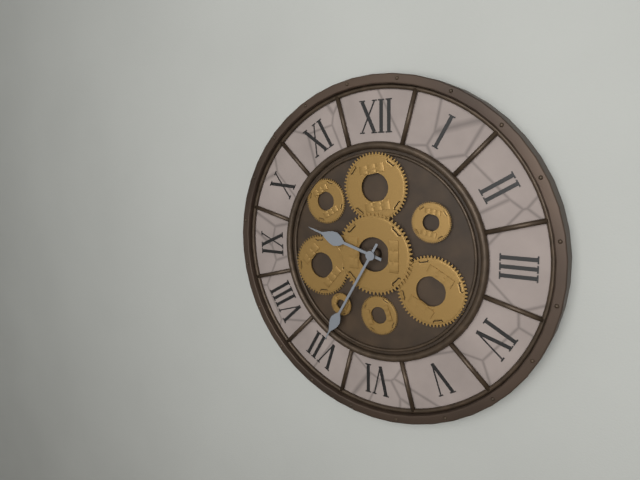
9:35
